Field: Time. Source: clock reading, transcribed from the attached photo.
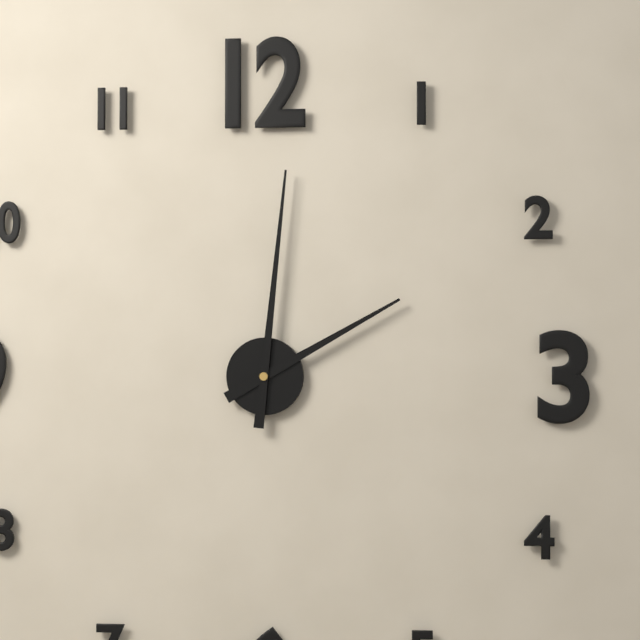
2:01
